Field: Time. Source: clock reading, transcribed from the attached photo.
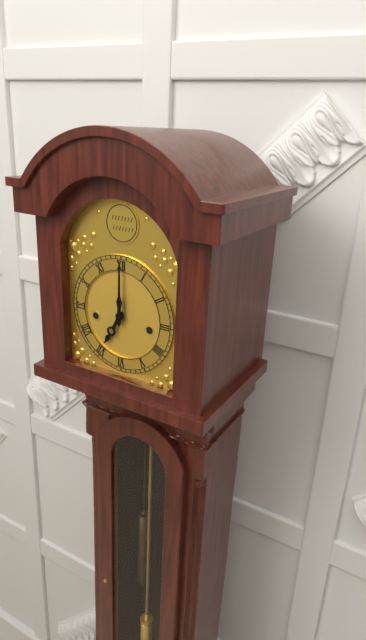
7:00
